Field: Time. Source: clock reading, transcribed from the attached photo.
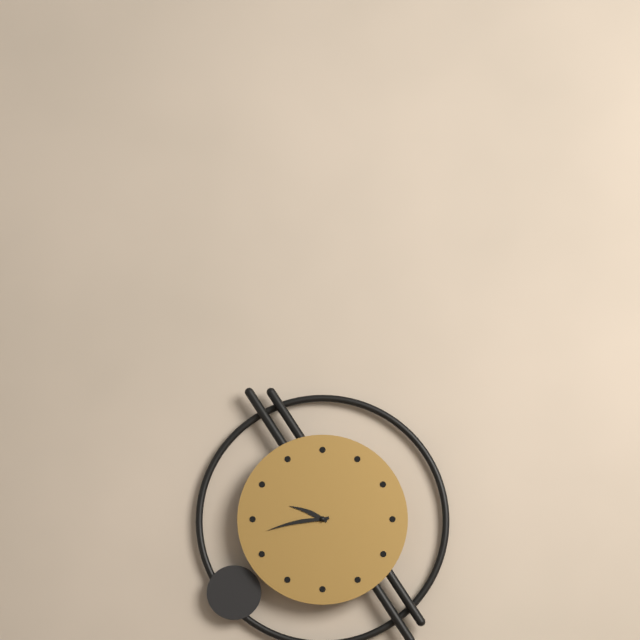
9:43
